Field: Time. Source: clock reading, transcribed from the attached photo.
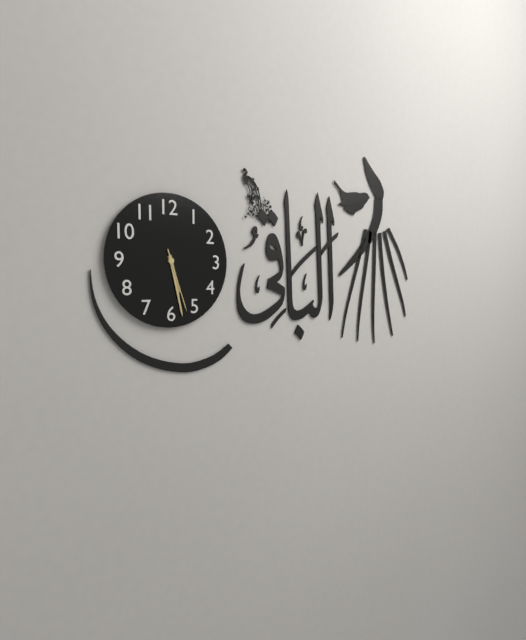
5:28:27
